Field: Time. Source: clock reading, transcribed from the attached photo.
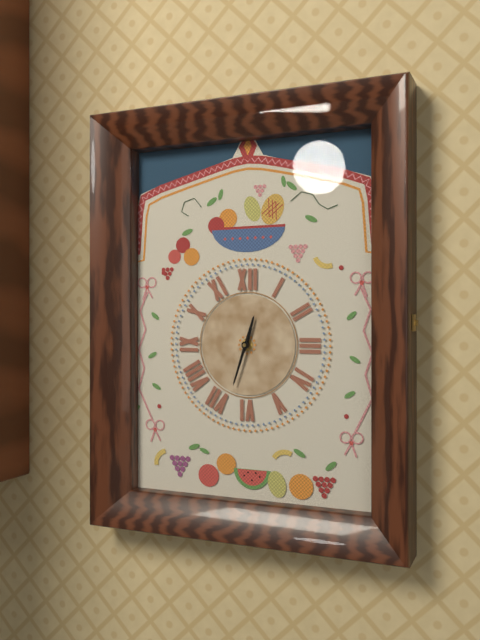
12:33
